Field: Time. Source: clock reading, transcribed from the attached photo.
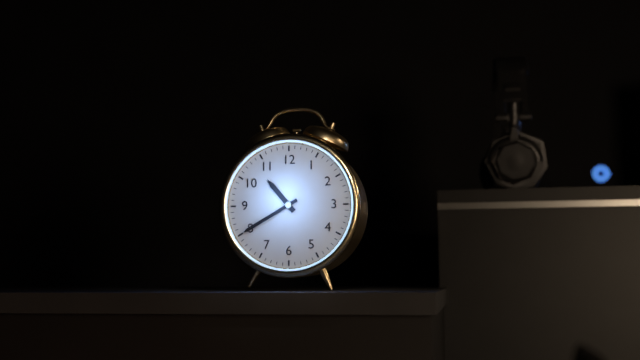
10:40
